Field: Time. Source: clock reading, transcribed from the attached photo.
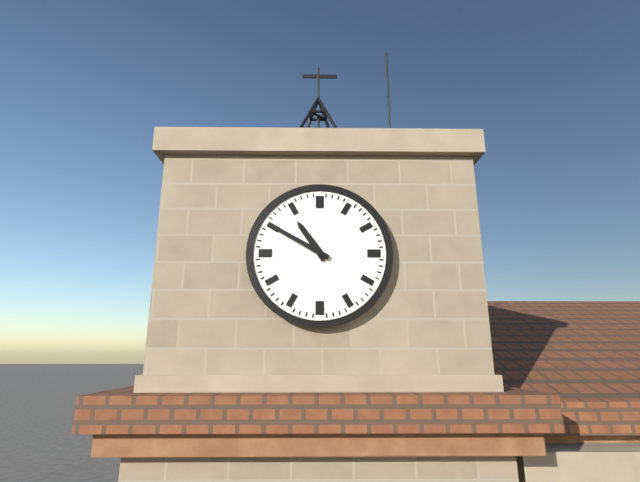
10:50
